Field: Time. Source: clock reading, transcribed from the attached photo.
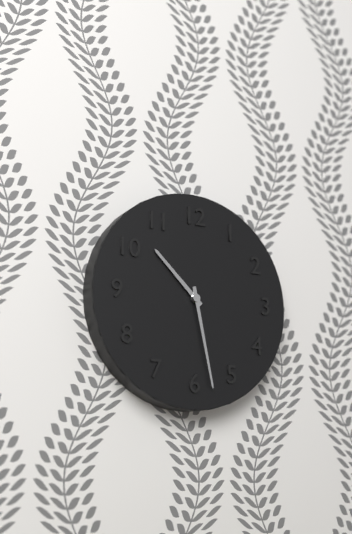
10:28
